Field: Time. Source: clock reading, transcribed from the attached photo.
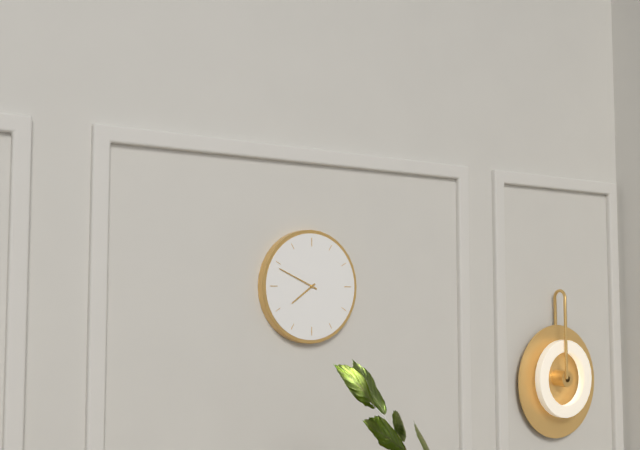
7:49
